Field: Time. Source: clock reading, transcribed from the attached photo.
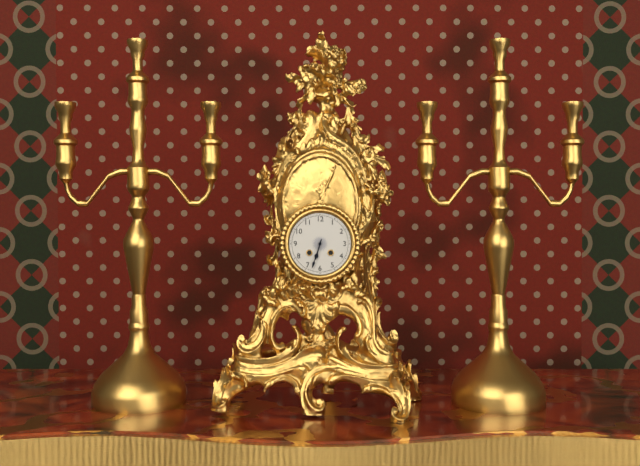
6:33
